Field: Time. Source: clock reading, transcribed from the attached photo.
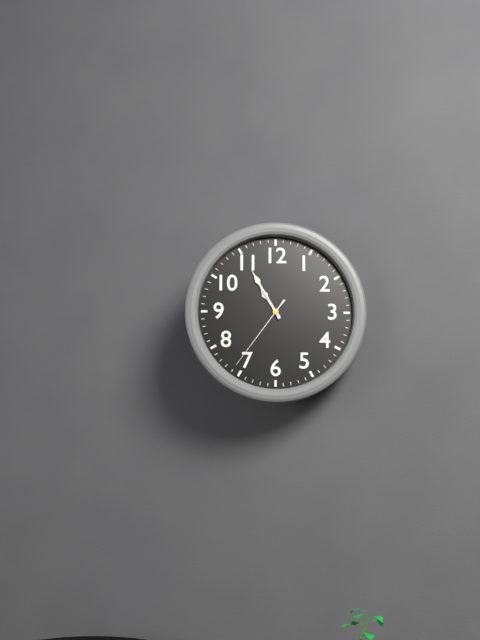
10:55:36
